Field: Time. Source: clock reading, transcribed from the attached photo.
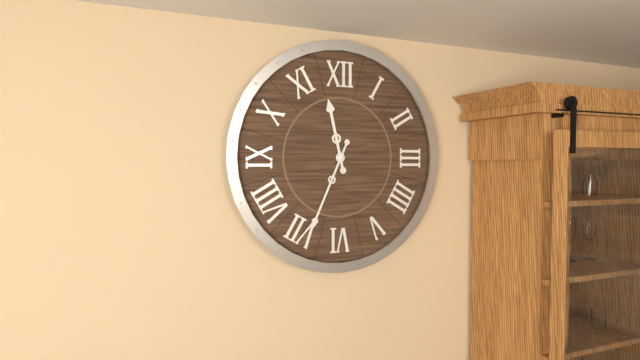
11:34
